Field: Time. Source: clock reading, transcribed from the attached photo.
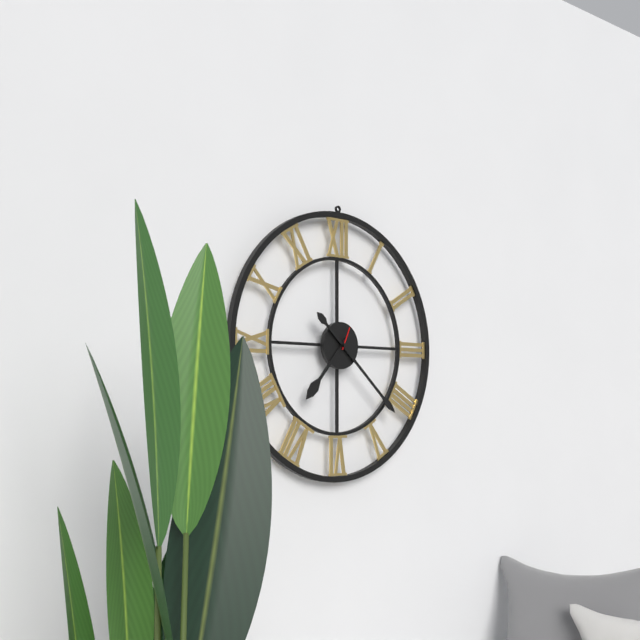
7:22
